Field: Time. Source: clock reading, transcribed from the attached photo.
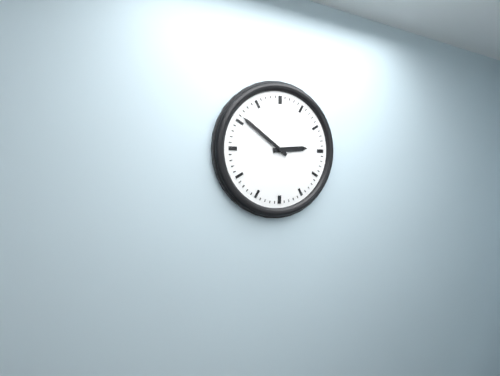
2:51
